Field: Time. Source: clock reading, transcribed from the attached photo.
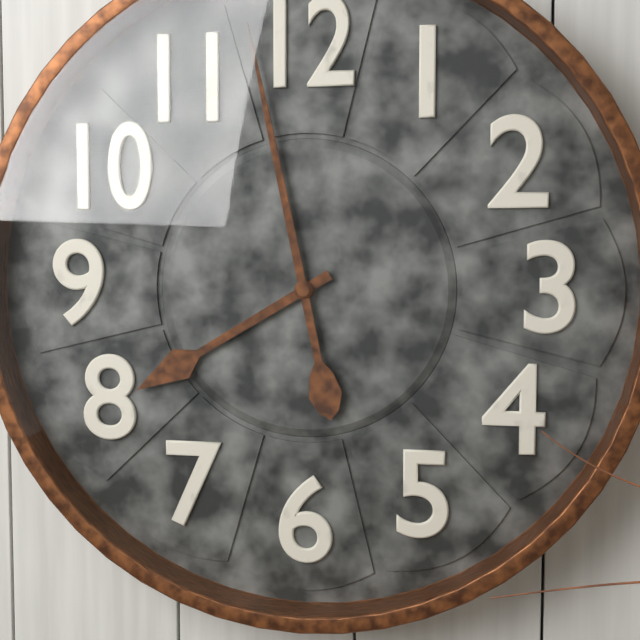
7:58
